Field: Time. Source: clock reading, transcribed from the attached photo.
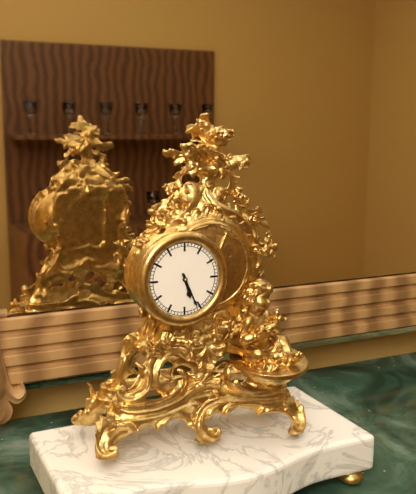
5:26
